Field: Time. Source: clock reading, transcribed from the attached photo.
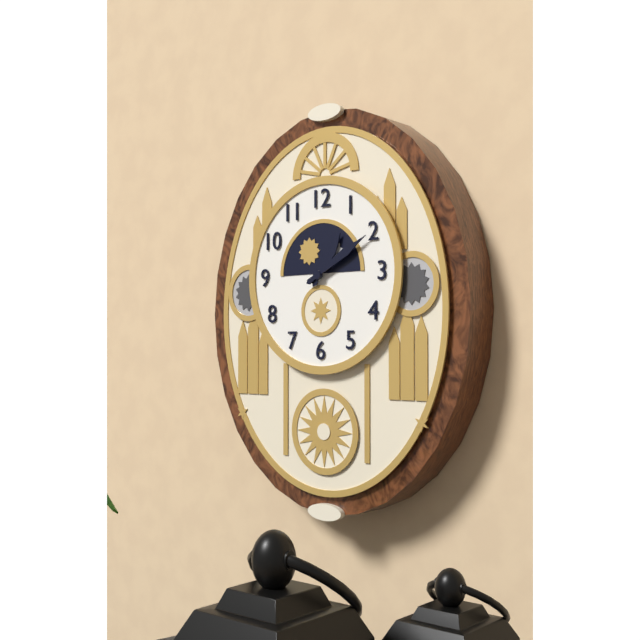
1:10
